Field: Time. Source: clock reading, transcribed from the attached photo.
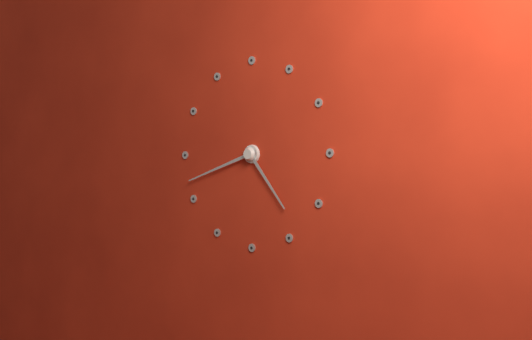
4:42
